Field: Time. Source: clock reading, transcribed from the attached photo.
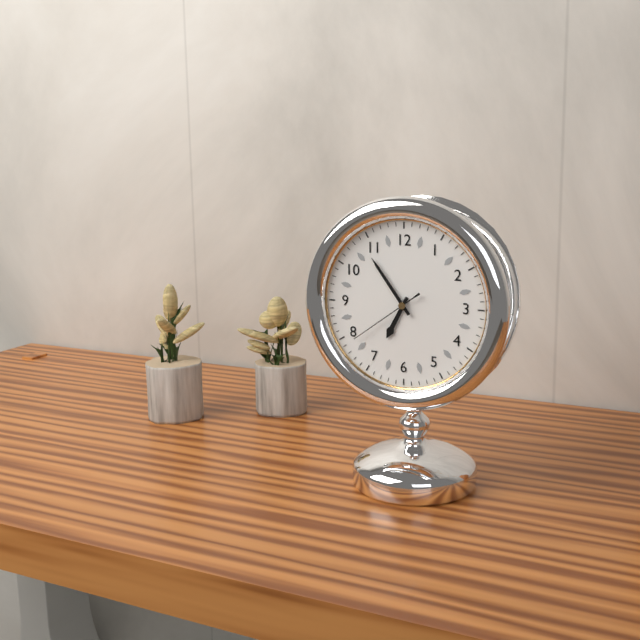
6:54:39
